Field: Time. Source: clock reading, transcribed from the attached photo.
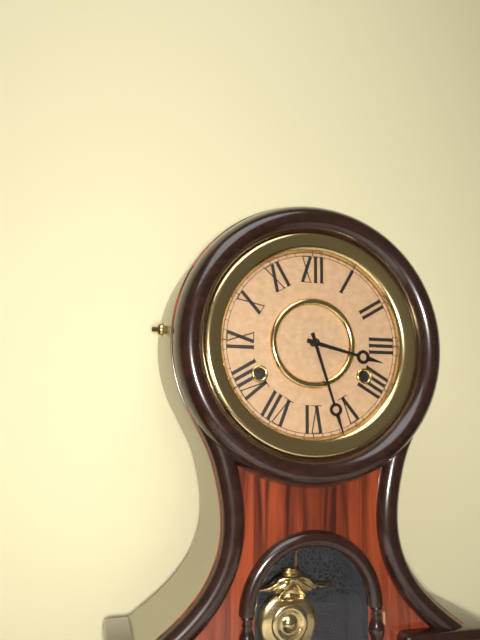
3:27
